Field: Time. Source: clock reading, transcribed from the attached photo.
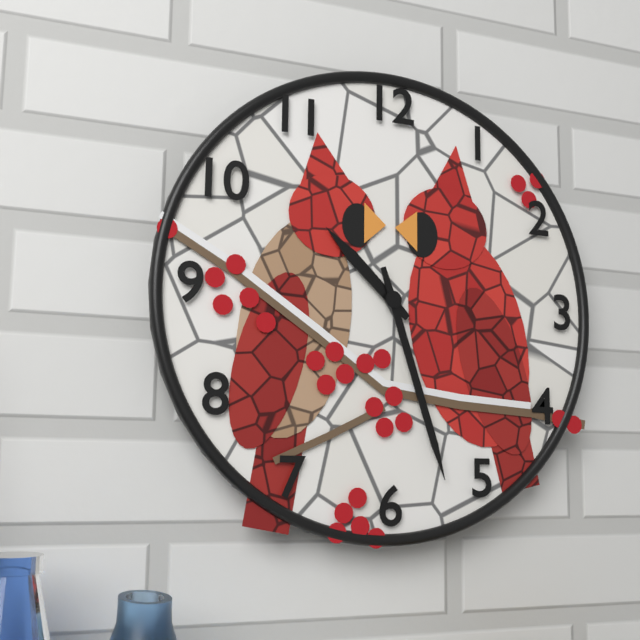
10:27
